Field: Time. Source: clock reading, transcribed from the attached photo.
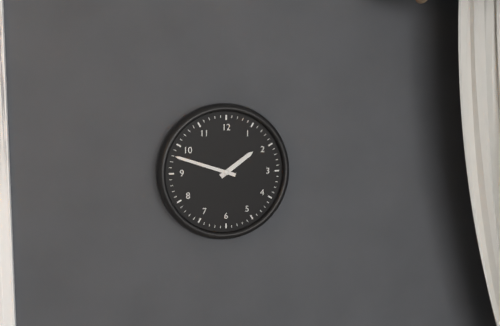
1:48
